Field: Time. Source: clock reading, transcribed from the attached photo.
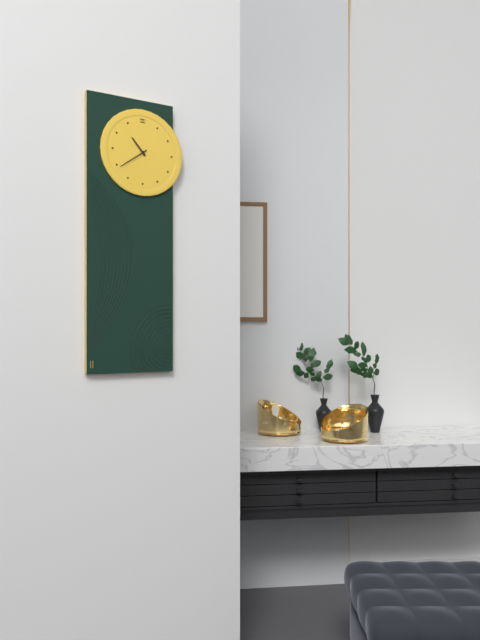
10:39
